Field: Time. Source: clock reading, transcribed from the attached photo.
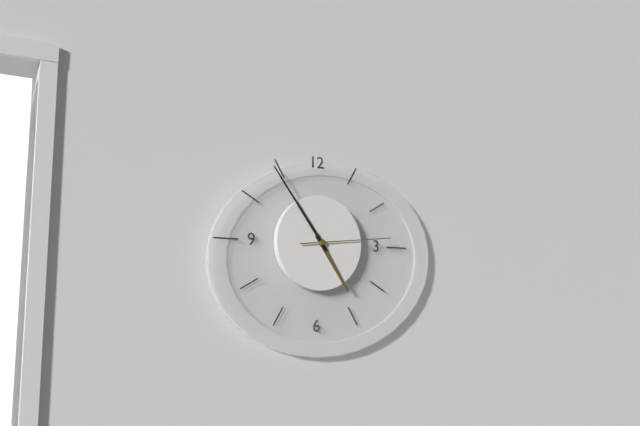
4:54:14
